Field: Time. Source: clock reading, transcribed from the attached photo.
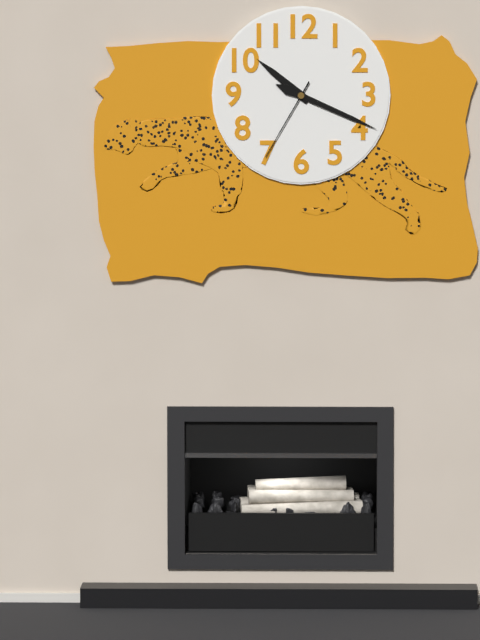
10:19:35
